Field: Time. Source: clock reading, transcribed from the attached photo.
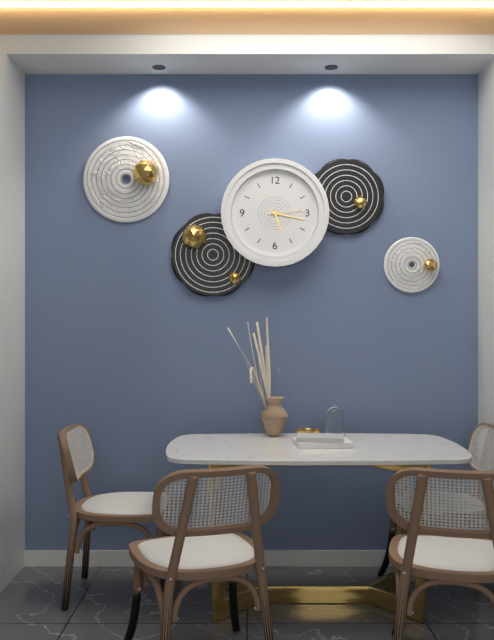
5:17
